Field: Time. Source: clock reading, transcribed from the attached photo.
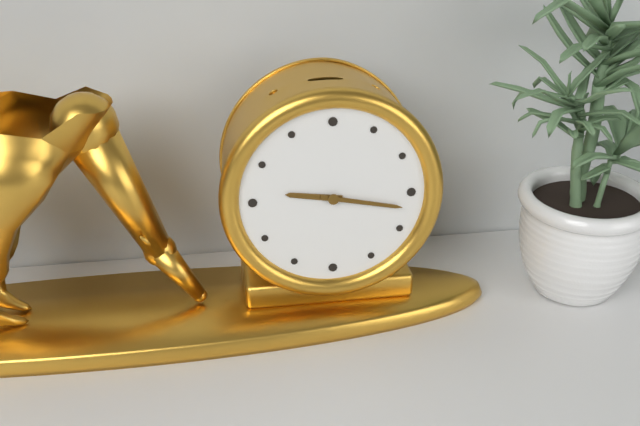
9:17
